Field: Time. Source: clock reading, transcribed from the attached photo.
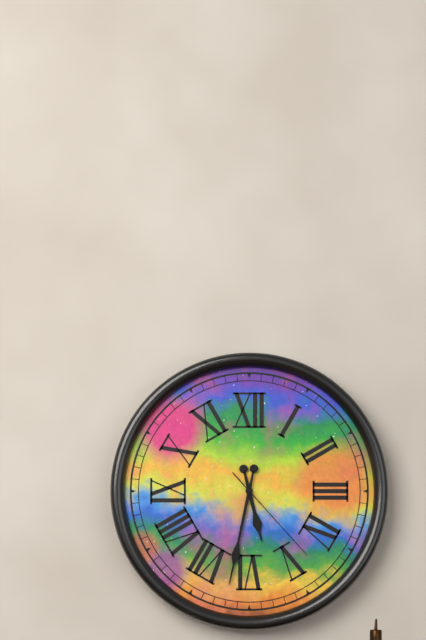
5:32:23
